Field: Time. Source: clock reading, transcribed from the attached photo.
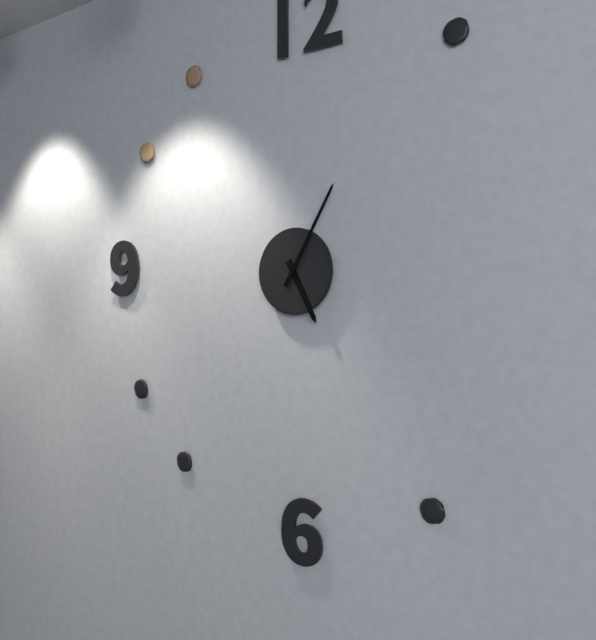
5:05
